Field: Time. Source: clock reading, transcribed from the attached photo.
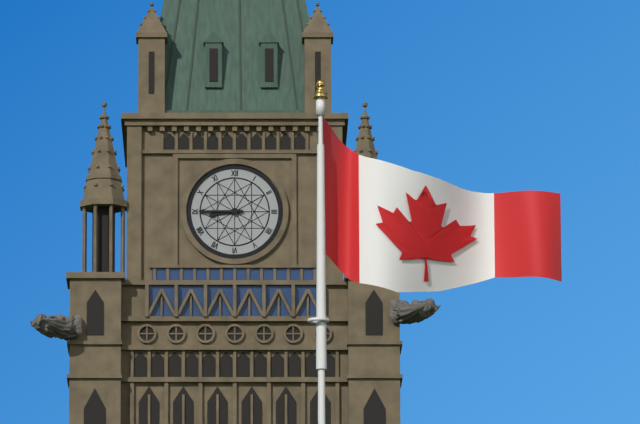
8:45
